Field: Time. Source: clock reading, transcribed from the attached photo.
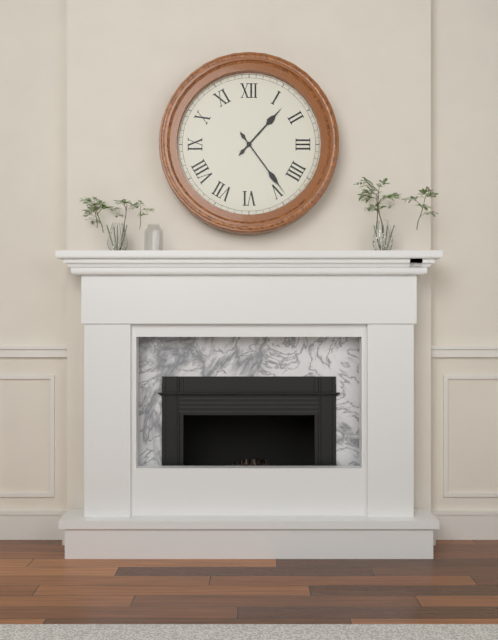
1:24
